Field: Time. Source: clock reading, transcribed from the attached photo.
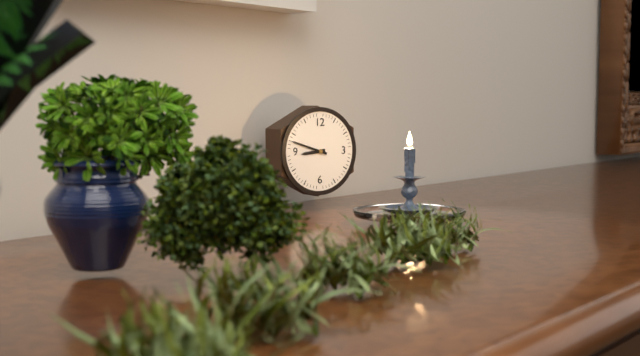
8:48
